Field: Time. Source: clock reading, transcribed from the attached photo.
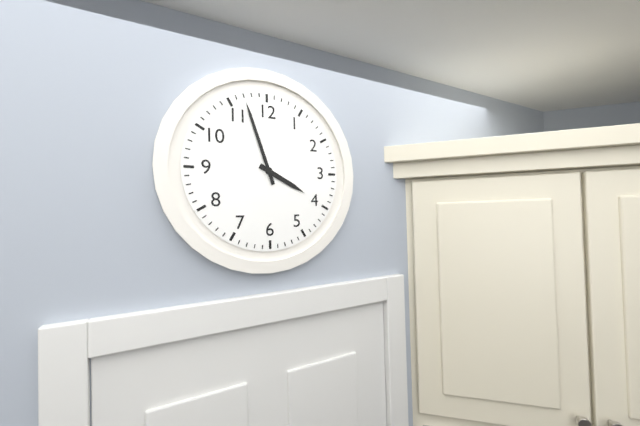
3:57
